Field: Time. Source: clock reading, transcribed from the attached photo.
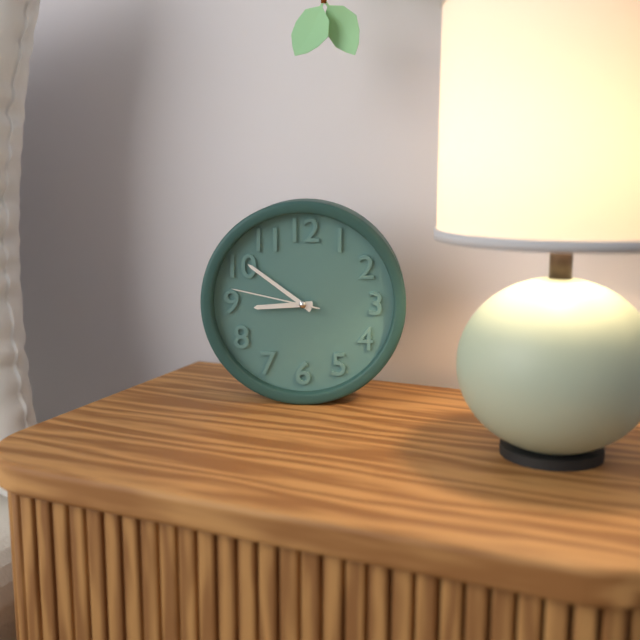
8:51:47
